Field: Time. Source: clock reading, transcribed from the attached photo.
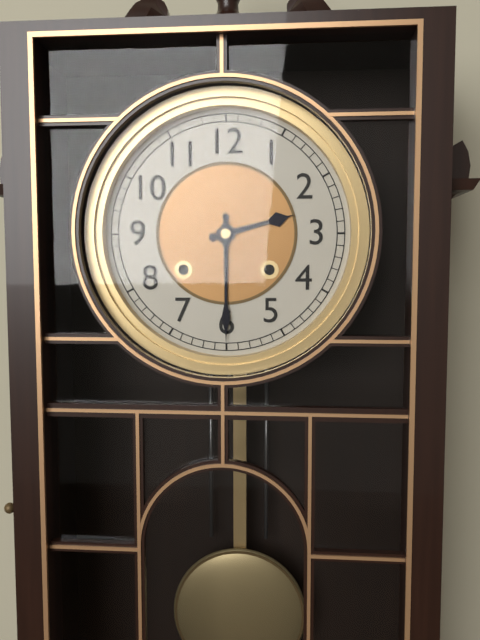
2:30
